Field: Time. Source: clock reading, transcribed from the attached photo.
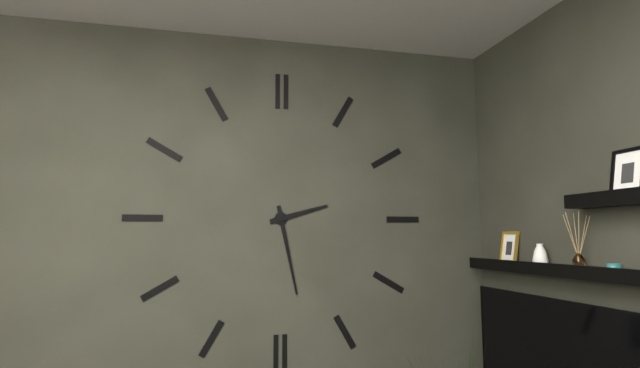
2:28
